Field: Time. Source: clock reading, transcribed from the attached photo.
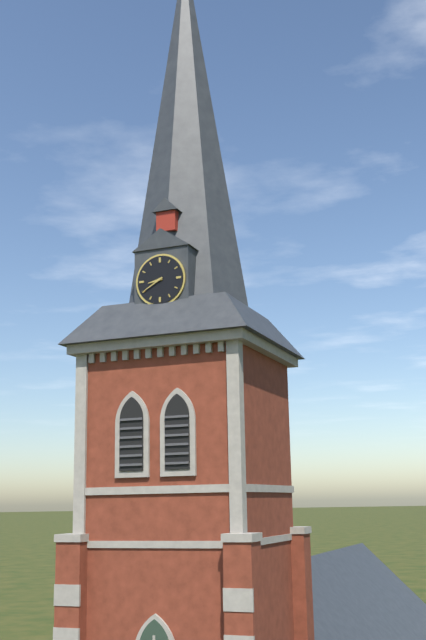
8:40
